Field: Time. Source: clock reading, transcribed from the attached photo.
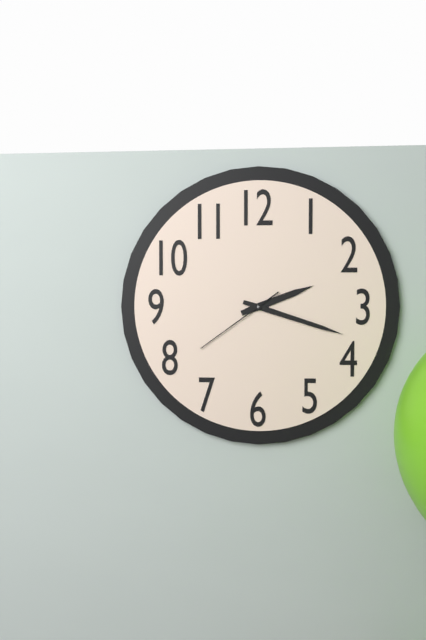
2:18:39
